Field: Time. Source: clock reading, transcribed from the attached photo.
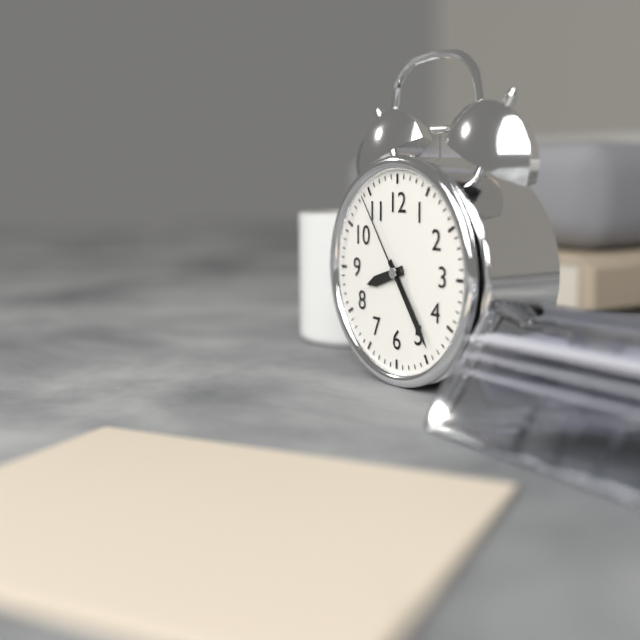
8:24:54
